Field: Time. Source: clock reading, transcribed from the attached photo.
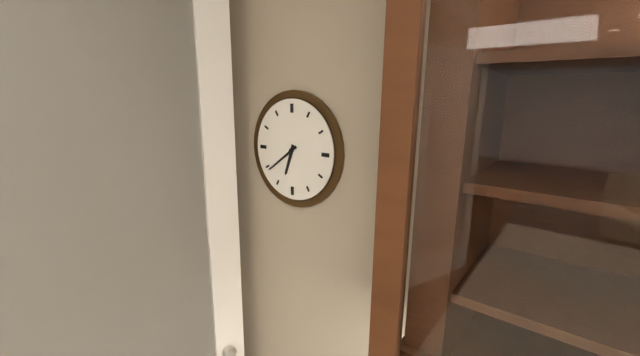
6:39
